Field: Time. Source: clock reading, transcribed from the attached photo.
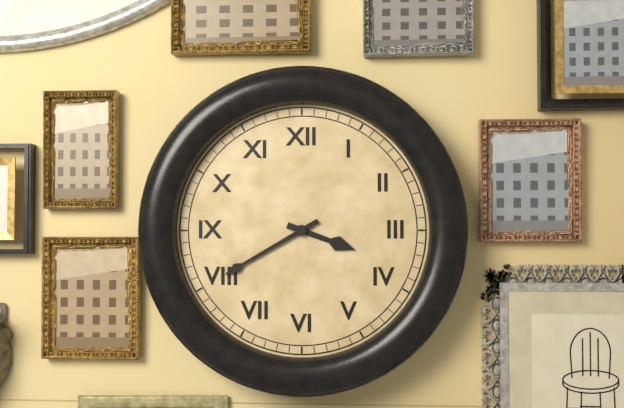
3:40
